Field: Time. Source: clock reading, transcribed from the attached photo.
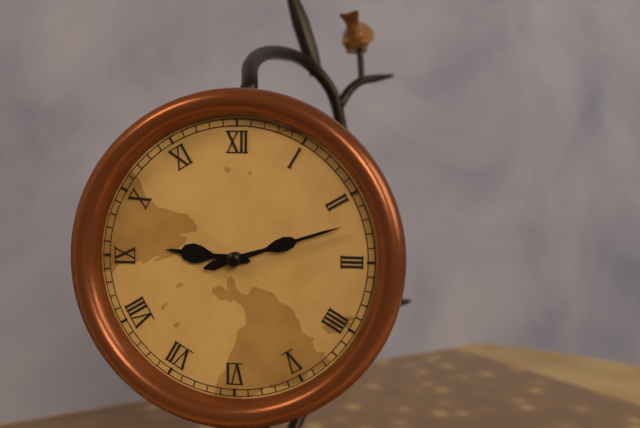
9:12:12
